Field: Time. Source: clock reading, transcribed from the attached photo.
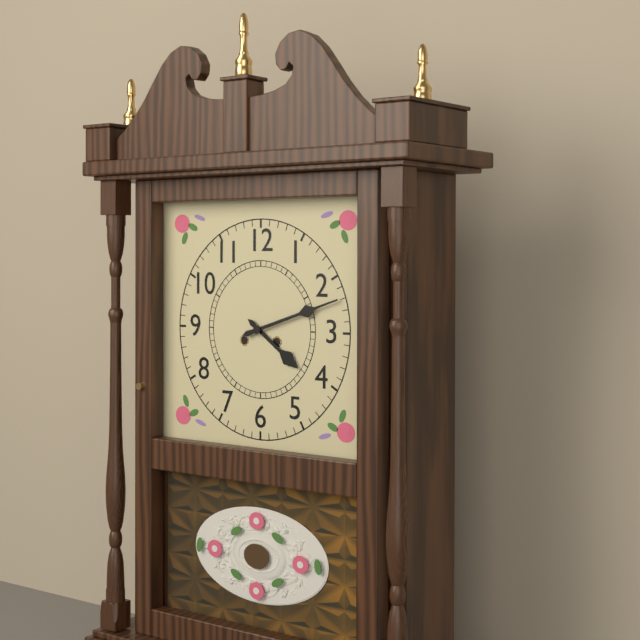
4:12
